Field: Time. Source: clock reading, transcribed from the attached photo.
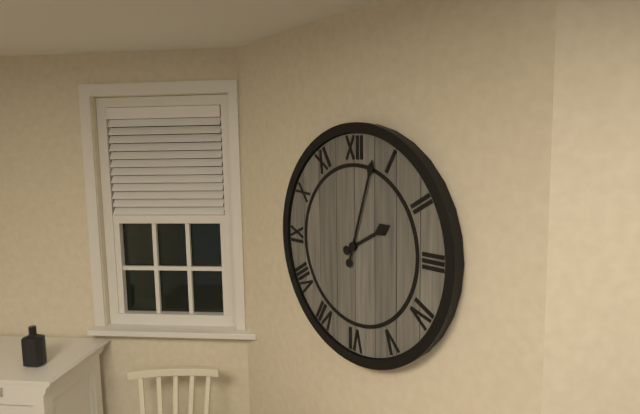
2:03
